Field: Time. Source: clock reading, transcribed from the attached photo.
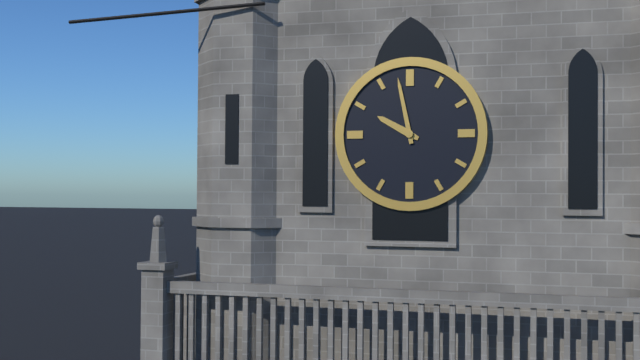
9:58
